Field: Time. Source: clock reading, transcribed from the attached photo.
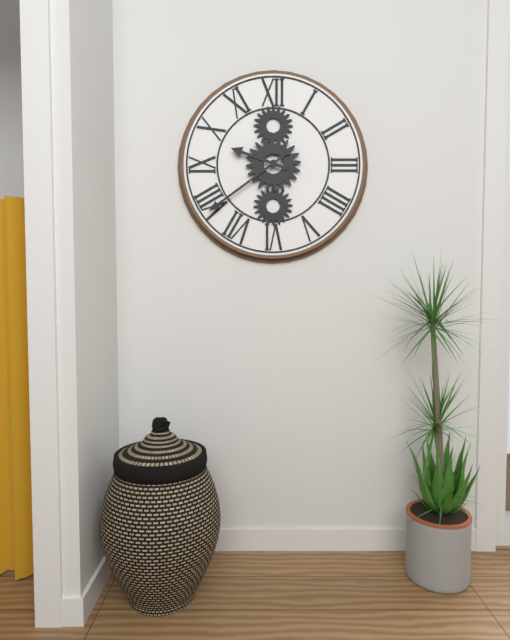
9:39
